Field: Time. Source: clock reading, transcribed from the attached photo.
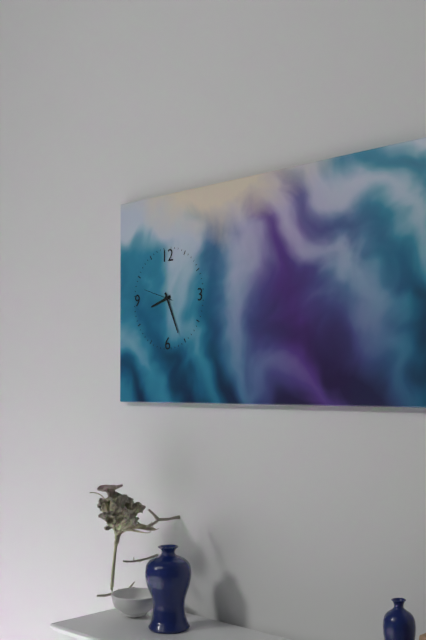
8:26
